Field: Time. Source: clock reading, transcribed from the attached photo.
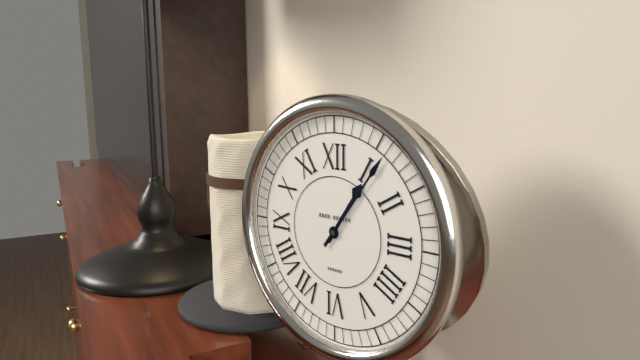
1:06
